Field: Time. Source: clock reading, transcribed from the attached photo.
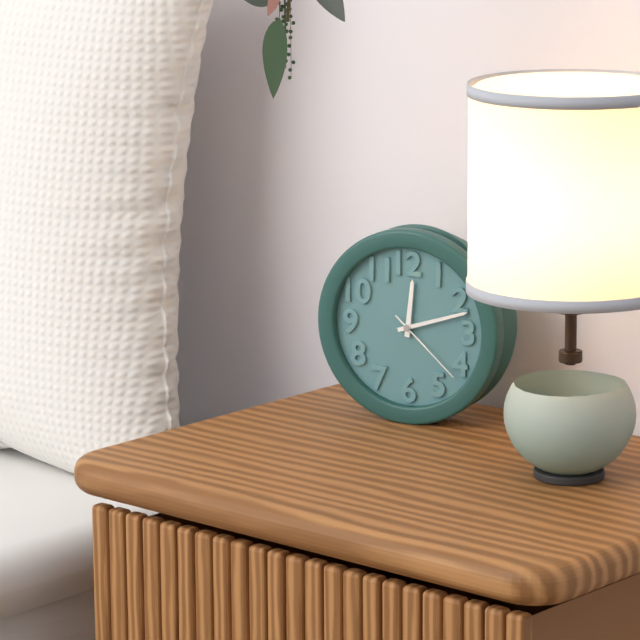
12:12:22
